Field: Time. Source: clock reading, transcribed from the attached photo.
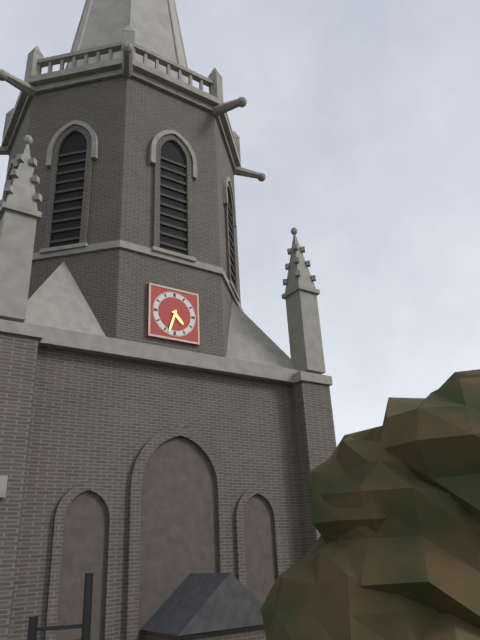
4:33
